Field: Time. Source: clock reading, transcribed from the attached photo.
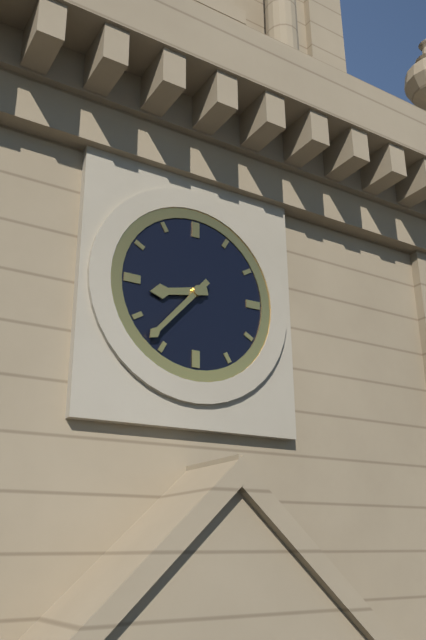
8:37
